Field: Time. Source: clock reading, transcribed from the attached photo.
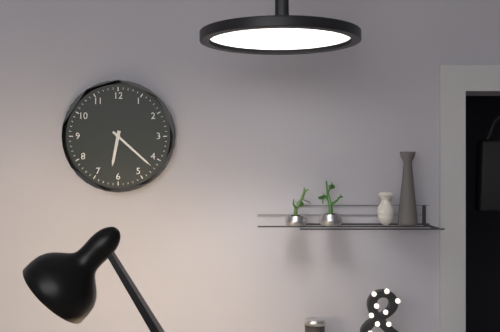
6:22
